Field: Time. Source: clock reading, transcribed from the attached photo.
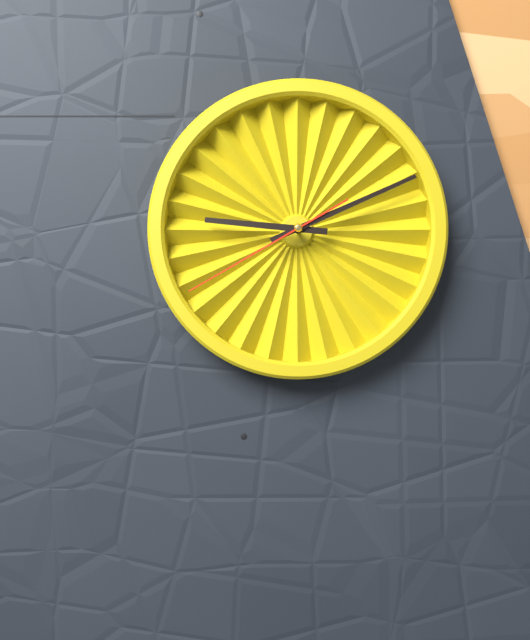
9:11:40
